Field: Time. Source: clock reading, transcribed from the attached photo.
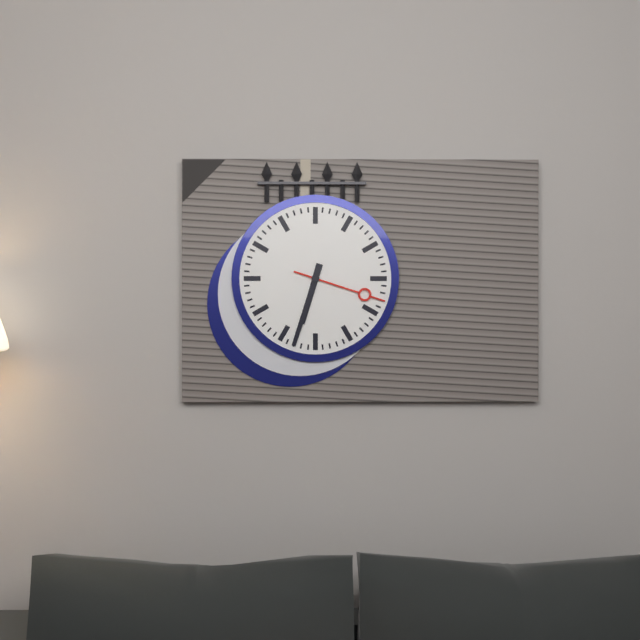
6:33:18
